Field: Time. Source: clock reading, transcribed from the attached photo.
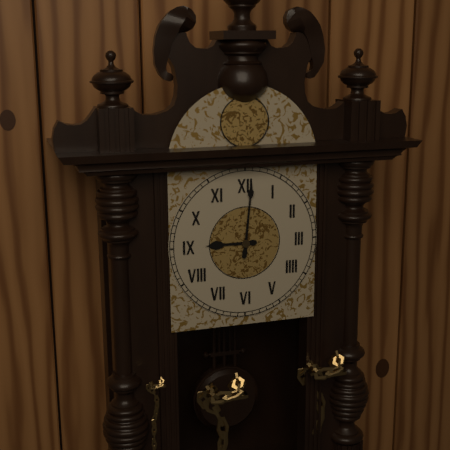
9:01
